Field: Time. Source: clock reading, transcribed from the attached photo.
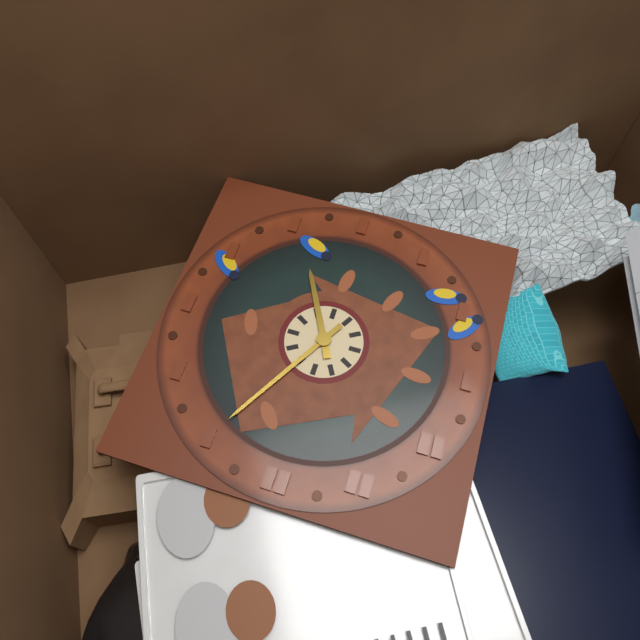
5:05
